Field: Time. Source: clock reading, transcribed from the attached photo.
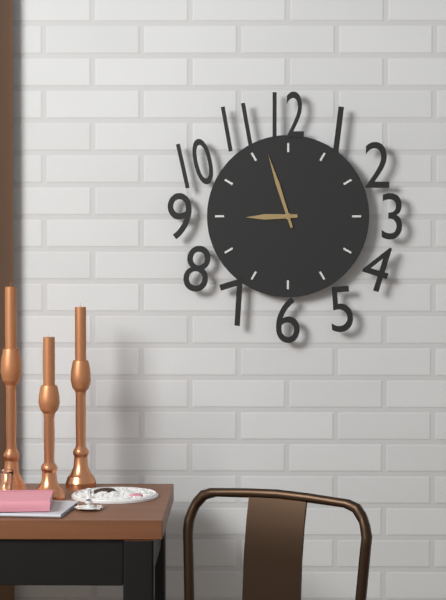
8:57
